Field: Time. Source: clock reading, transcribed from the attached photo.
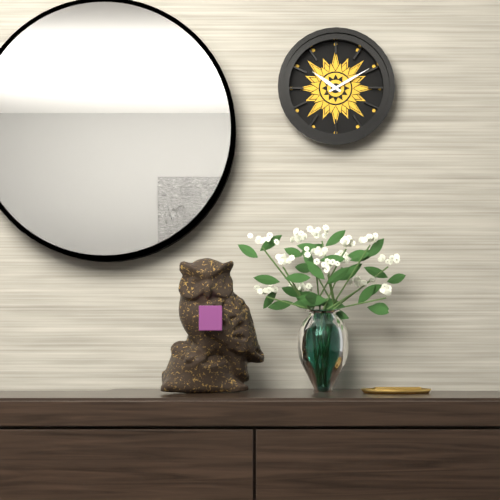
10:10
